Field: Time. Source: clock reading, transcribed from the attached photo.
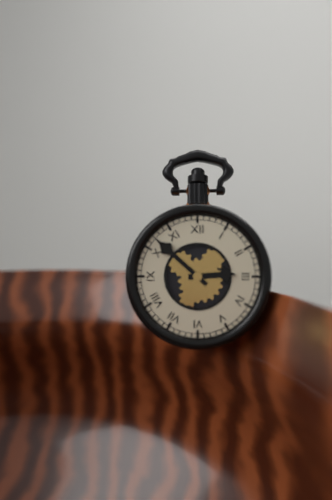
2:52
